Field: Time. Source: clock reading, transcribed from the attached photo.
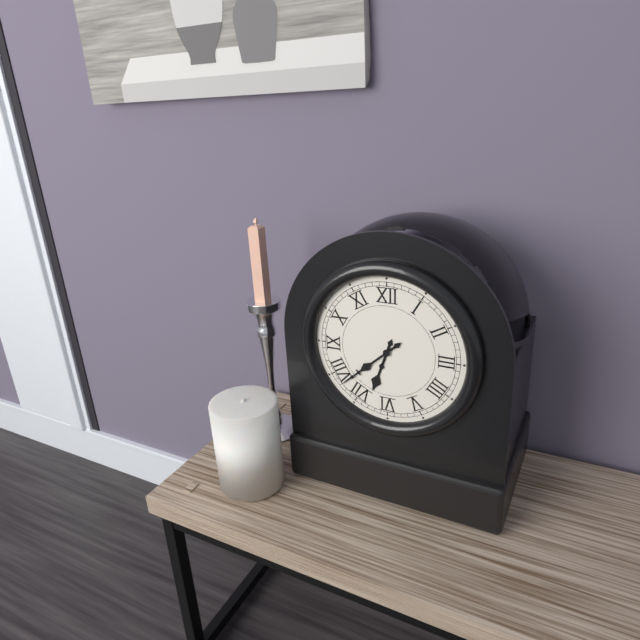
6:38
